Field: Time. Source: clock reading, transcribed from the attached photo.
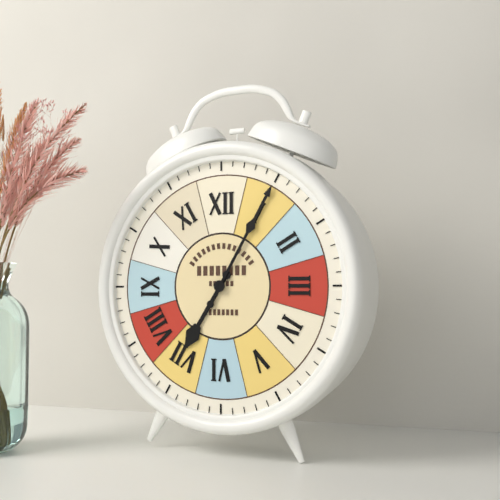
7:05
